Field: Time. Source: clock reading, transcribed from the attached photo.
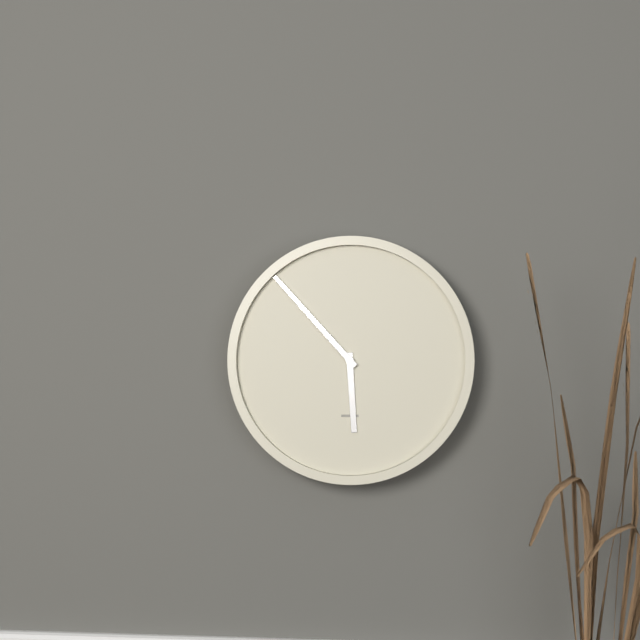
5:53
